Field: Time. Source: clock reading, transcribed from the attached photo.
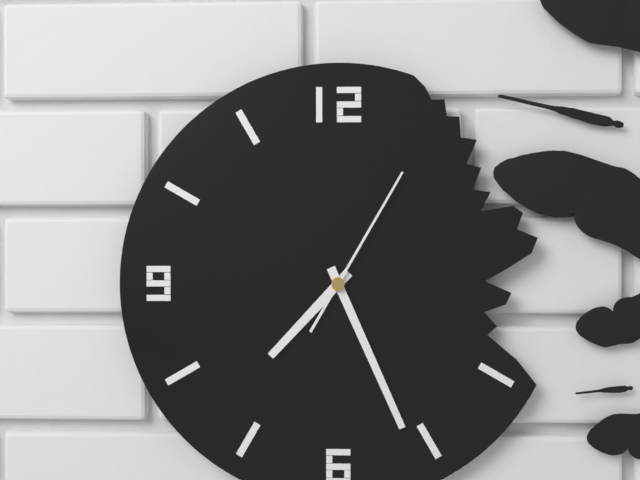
7:26:05
